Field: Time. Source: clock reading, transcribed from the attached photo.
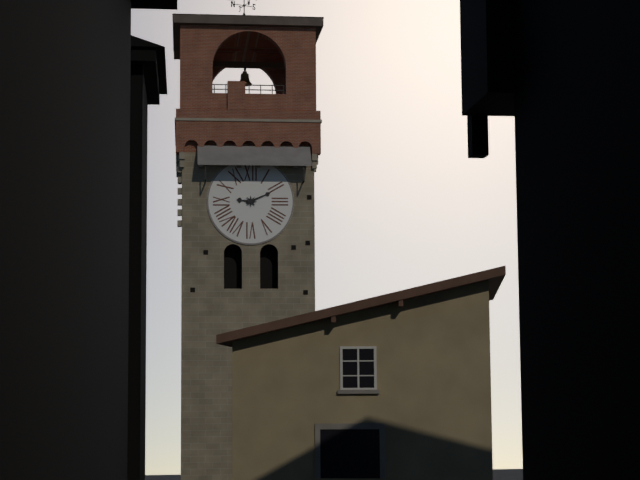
9:11
